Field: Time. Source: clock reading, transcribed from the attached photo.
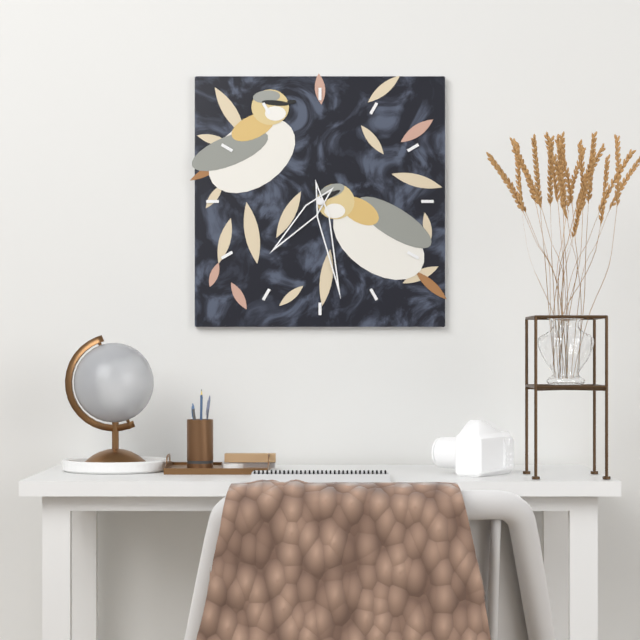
7:28
